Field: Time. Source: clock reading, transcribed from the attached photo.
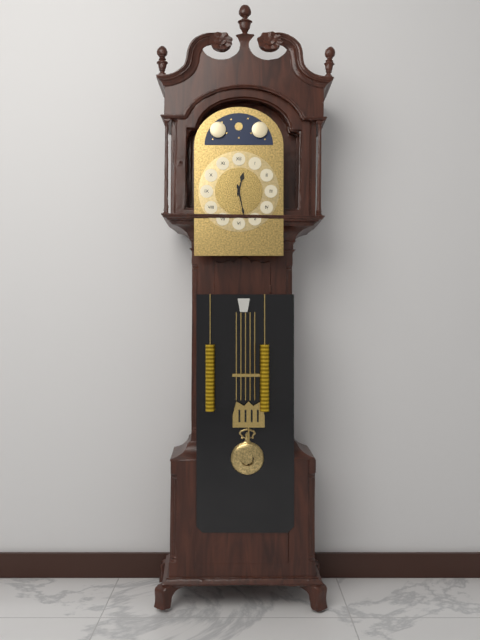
12:28
